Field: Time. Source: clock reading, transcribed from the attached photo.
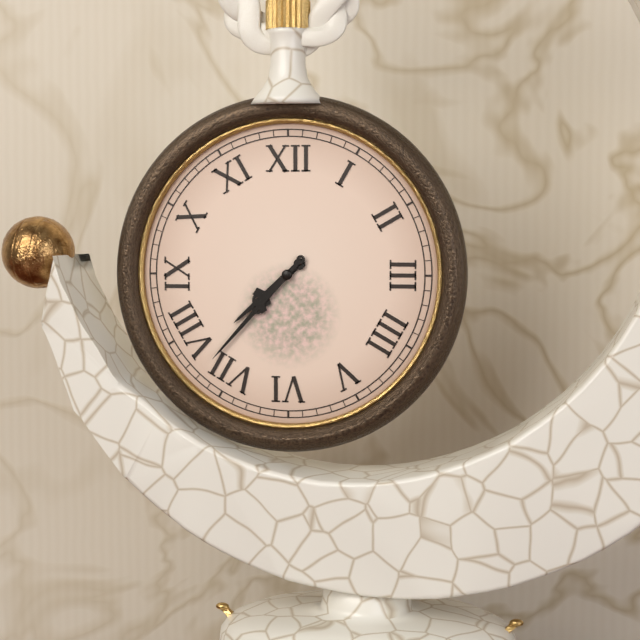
7:37
